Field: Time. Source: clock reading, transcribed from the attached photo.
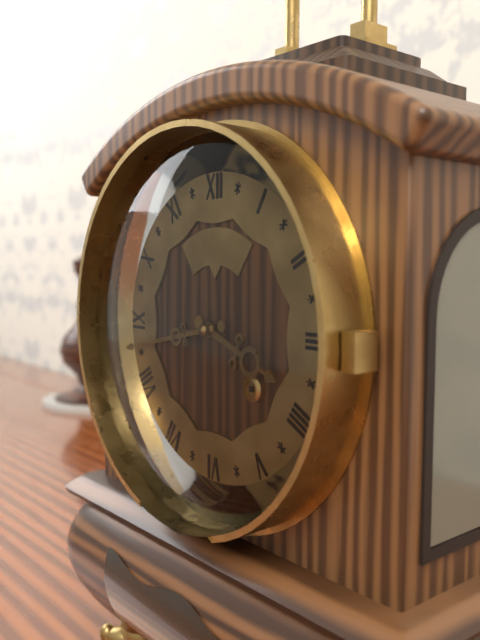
3:43
